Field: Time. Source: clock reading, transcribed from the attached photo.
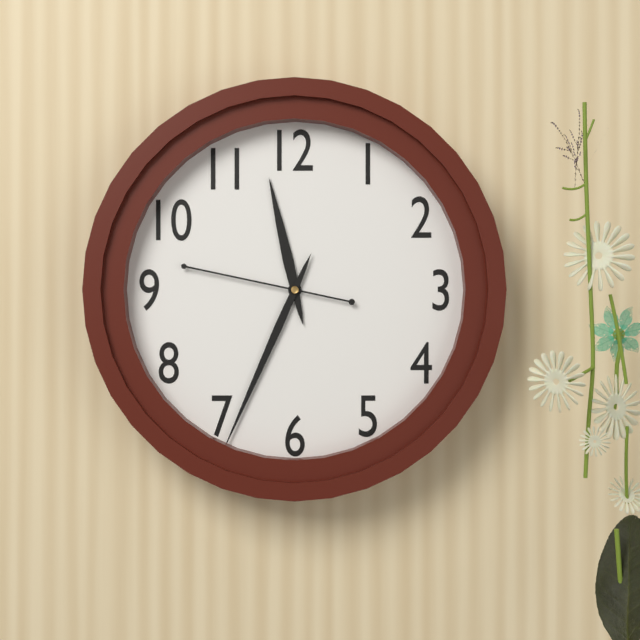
11:34:47
